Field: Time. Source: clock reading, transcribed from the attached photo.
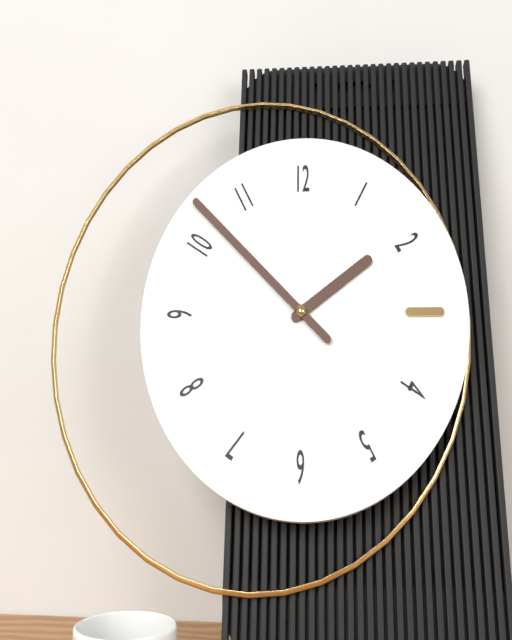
1:52
